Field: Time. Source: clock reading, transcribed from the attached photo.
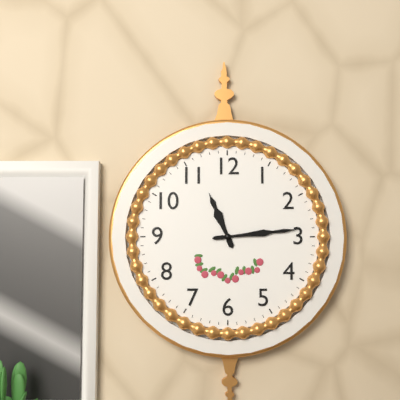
11:14
